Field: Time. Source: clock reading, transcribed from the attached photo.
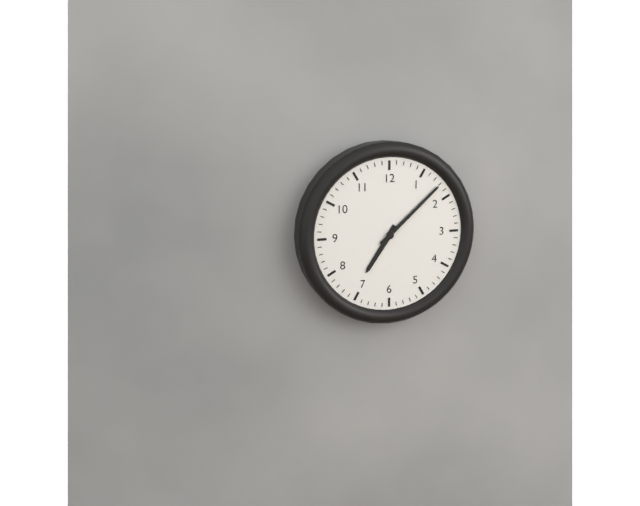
7:08
